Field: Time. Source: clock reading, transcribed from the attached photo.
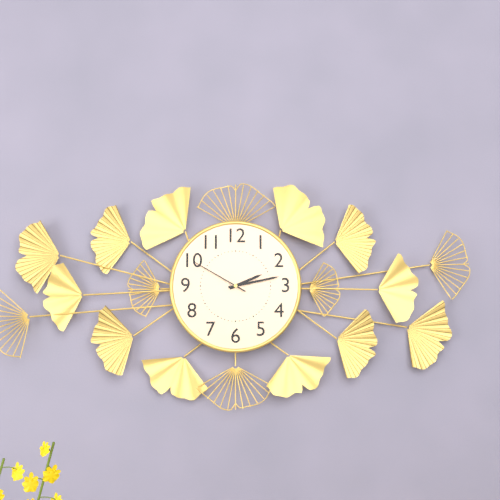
2:13:50
